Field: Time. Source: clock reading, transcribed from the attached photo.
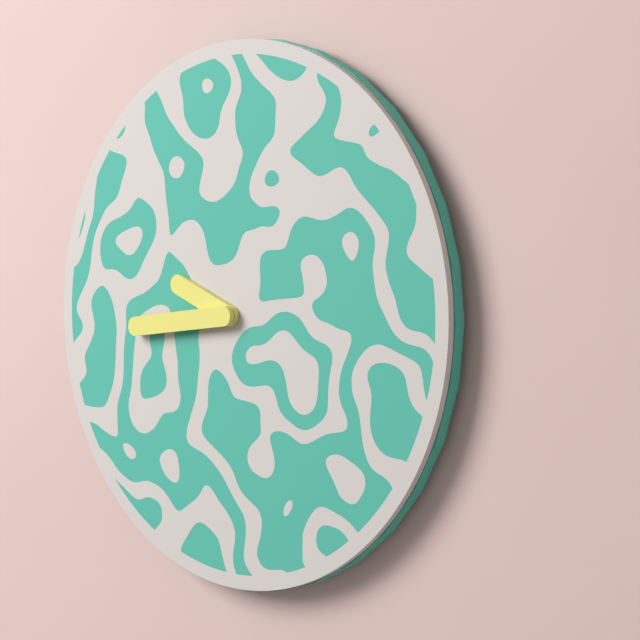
9:44
